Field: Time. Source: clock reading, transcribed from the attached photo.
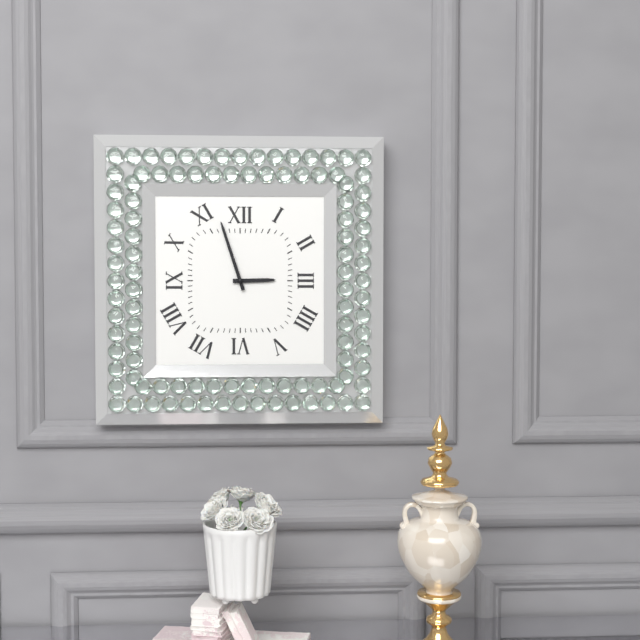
2:57
